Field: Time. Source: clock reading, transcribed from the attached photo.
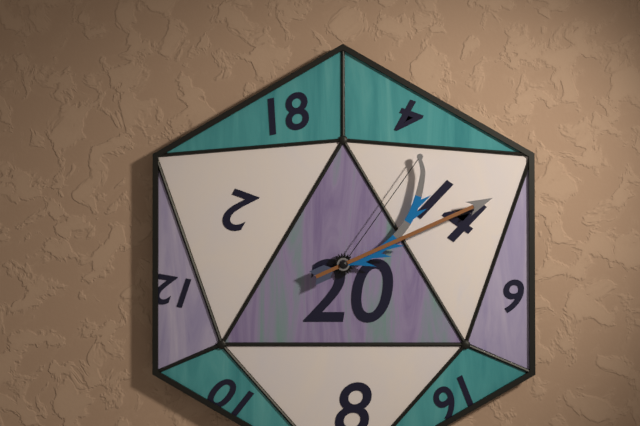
1:11
